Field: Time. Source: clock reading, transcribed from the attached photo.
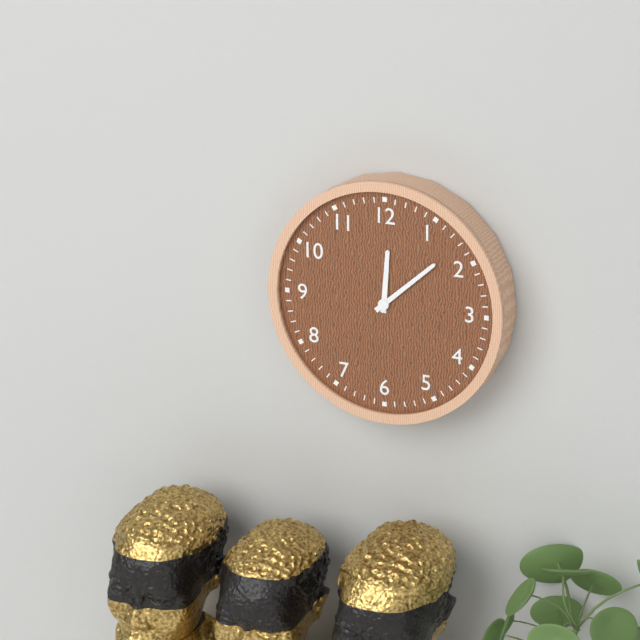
12:08
